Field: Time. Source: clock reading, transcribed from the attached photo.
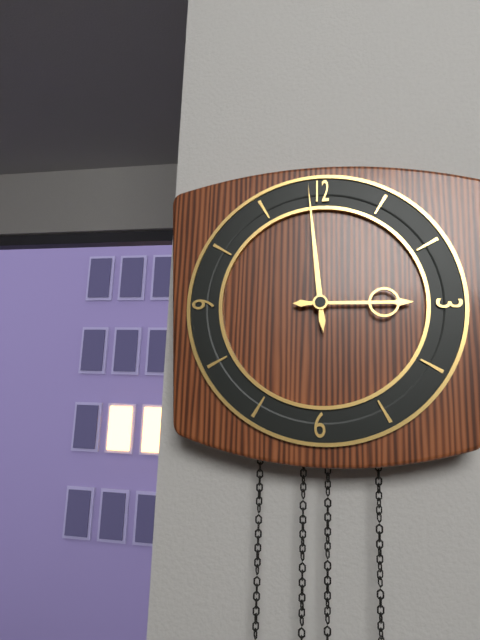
2:59
